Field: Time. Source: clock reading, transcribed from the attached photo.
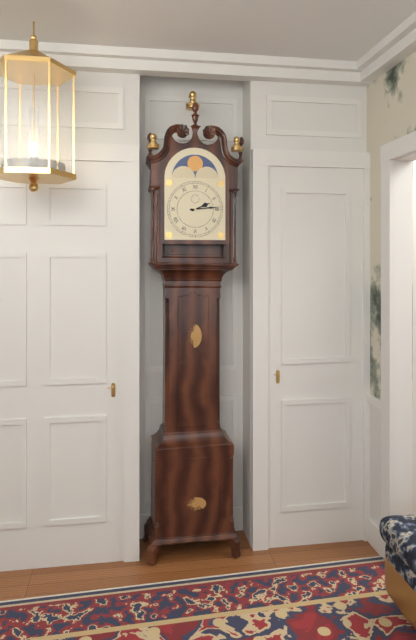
2:14
